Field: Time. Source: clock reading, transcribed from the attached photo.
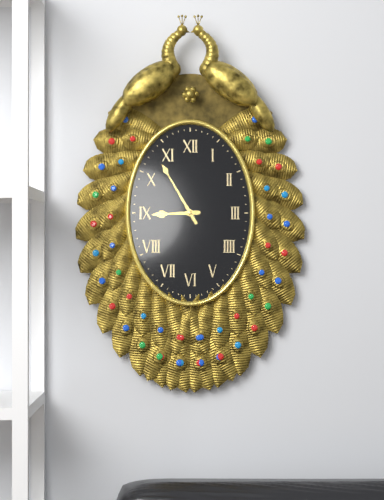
8:55
